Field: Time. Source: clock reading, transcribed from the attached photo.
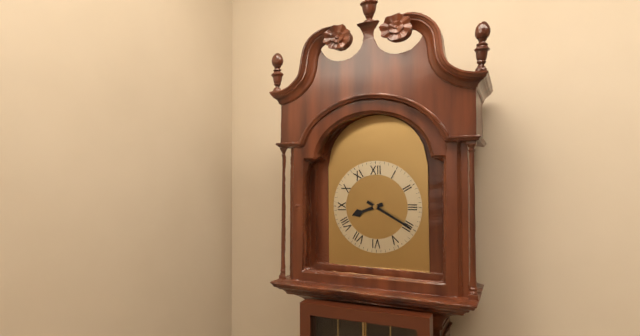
8:20
